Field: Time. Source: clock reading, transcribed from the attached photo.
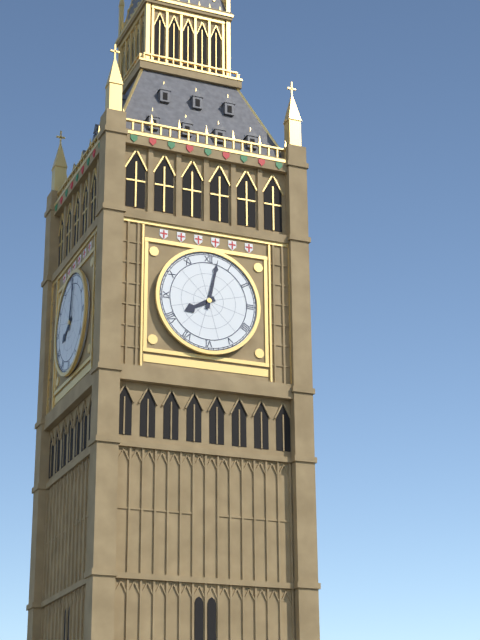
8:02
